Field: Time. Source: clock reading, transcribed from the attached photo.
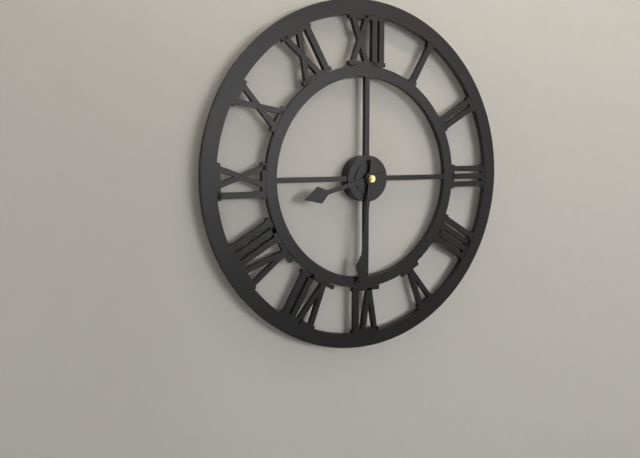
8:31
